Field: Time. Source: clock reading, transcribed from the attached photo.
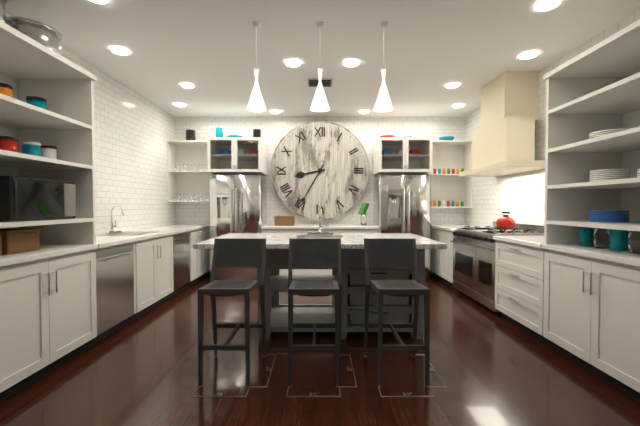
8:35
